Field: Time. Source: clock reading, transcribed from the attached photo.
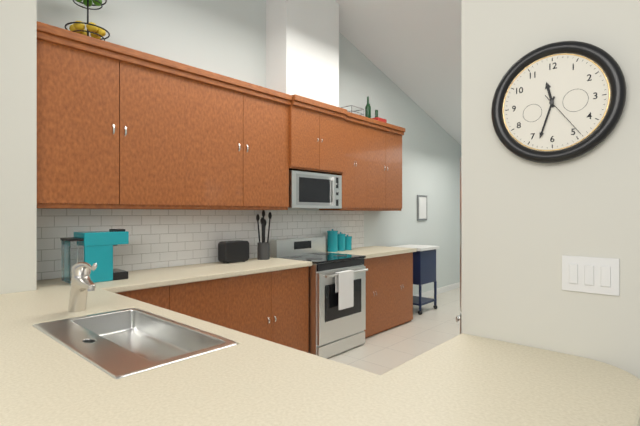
11:33:24
